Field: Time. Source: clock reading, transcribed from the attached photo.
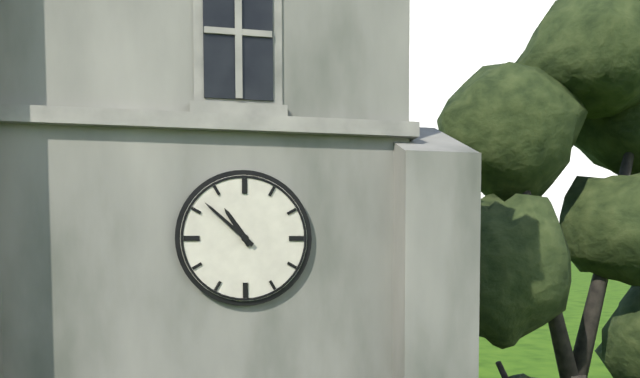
10:52
